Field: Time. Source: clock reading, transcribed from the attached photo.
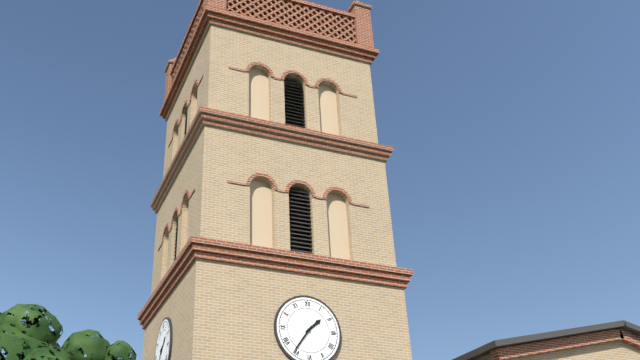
1:36
